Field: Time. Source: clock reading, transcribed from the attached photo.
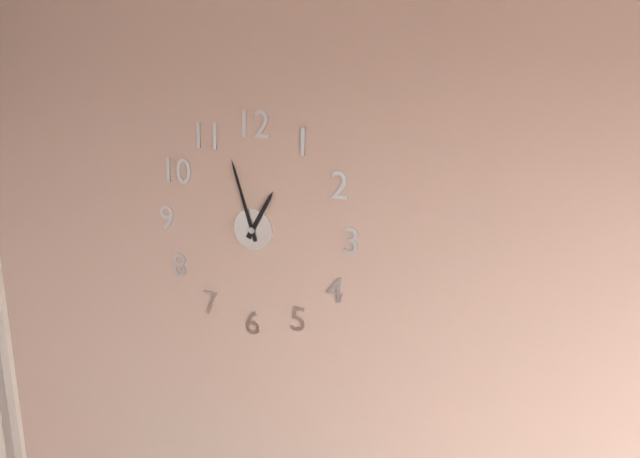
12:57
